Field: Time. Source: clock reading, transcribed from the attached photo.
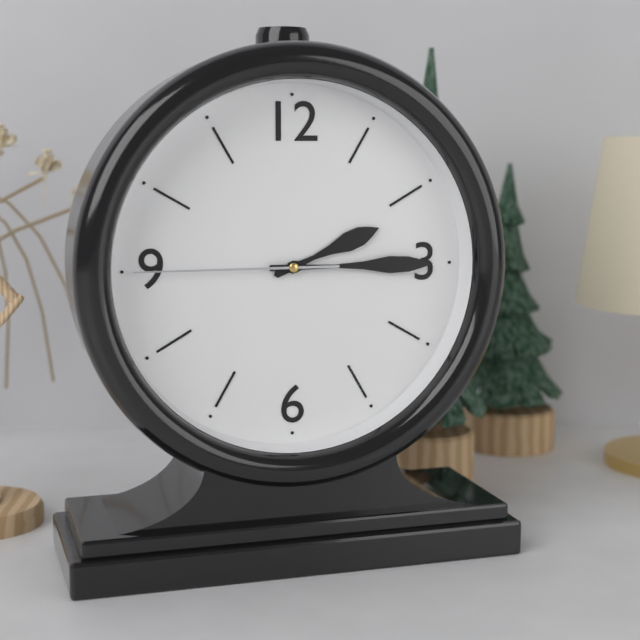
2:15:45
